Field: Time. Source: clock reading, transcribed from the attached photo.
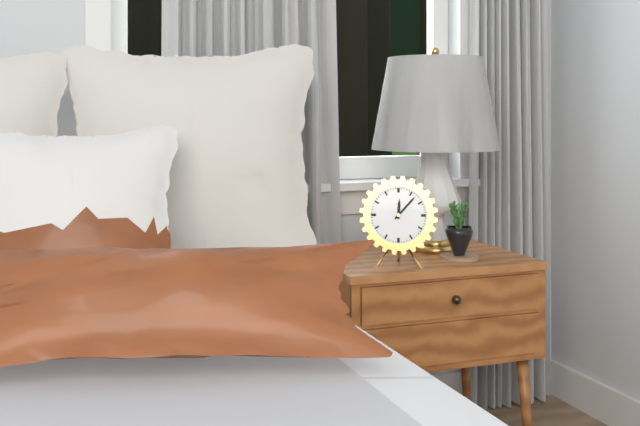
12:07
